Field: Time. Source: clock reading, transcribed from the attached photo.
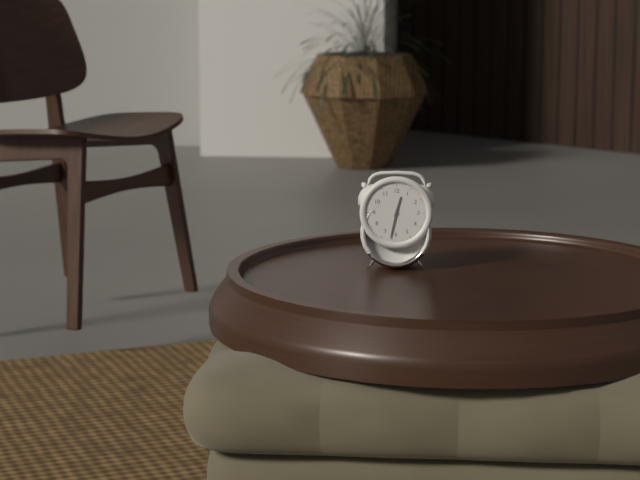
12:32
